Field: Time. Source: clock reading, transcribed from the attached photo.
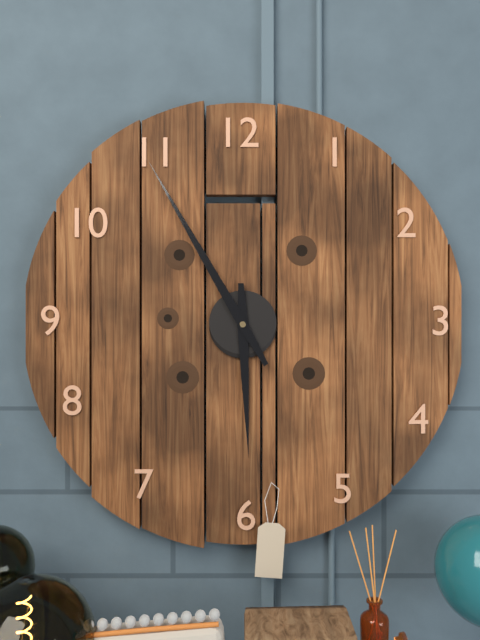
5:55
